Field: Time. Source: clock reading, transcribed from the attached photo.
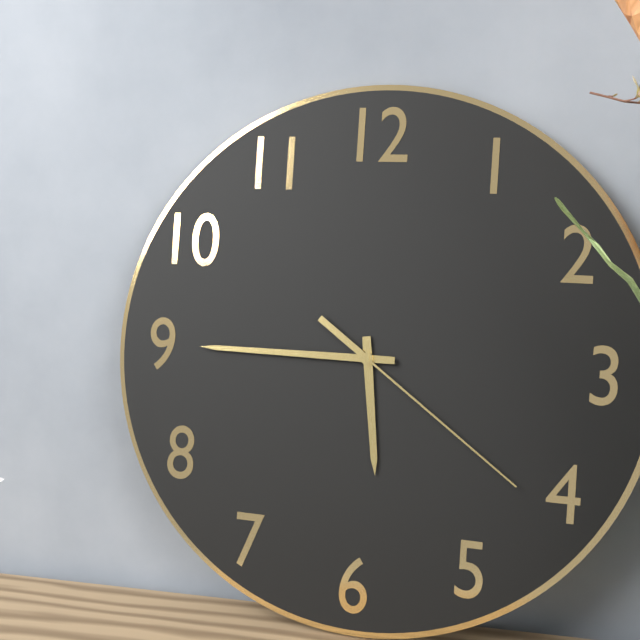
5:45:21
